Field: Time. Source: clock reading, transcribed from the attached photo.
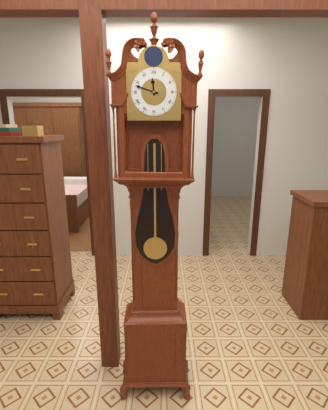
11:48
